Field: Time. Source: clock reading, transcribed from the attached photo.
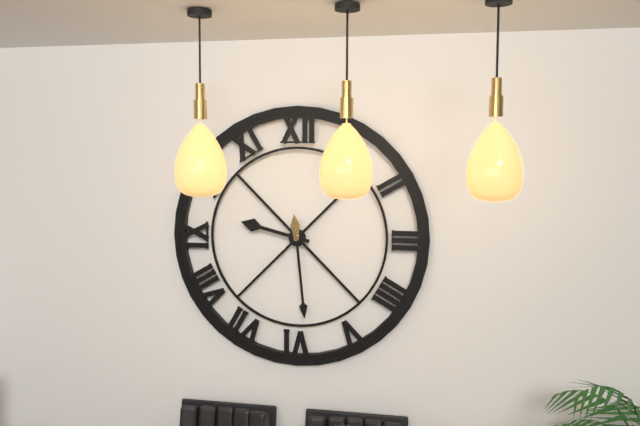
9:29
